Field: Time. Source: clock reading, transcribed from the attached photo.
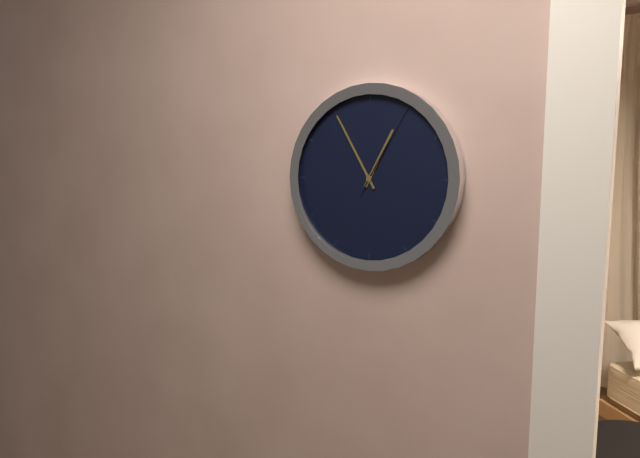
12:55:05
